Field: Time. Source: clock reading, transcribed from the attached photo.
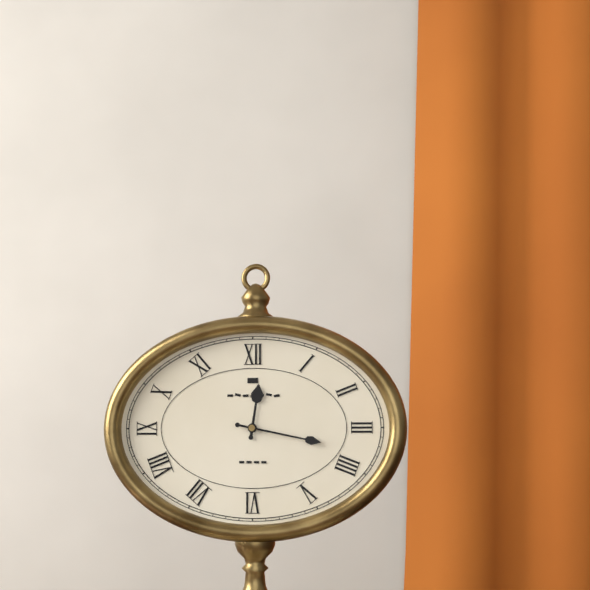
12:17
